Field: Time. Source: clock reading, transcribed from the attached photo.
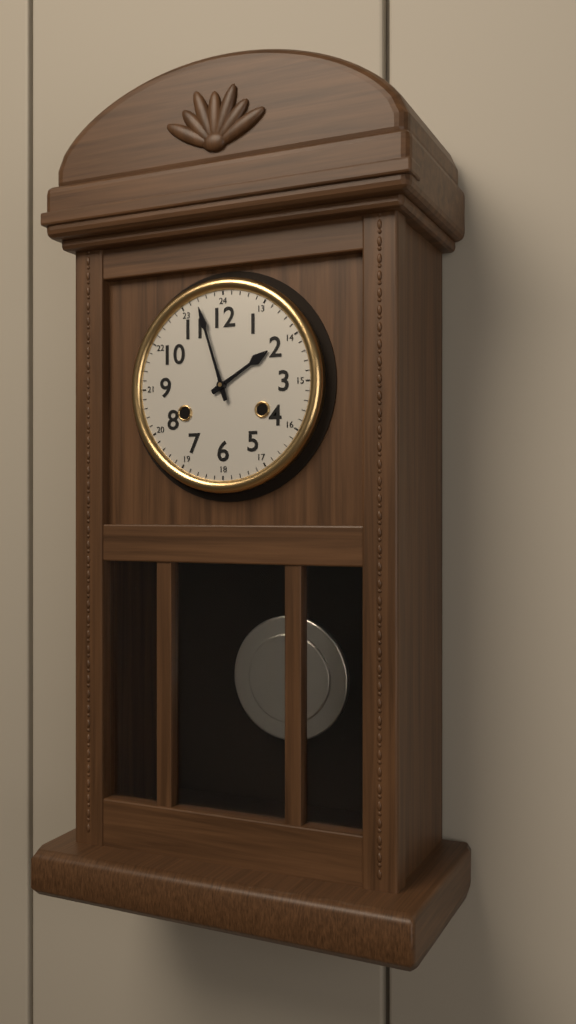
1:57
